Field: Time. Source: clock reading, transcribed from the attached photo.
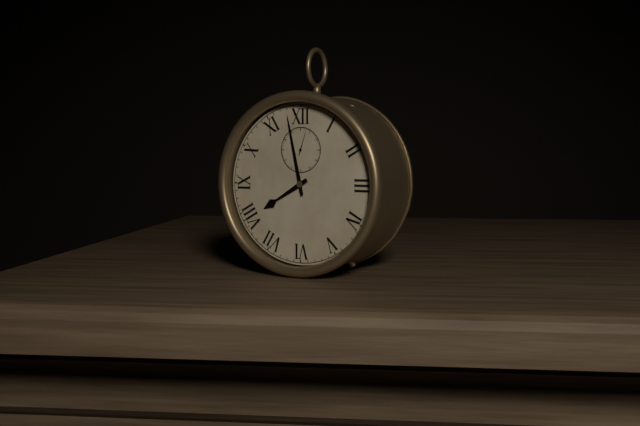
7:58
